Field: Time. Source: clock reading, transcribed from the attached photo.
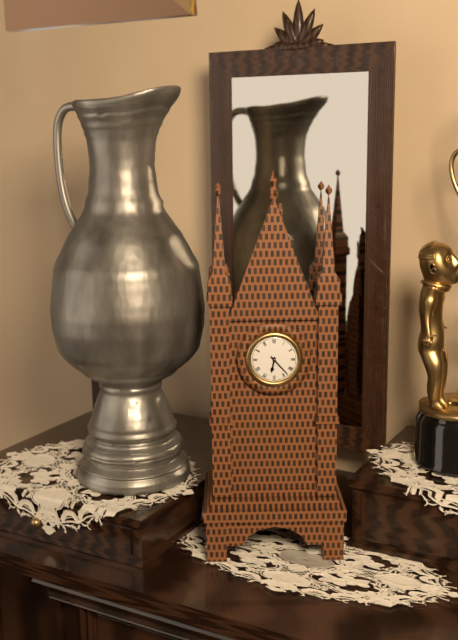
6:23
